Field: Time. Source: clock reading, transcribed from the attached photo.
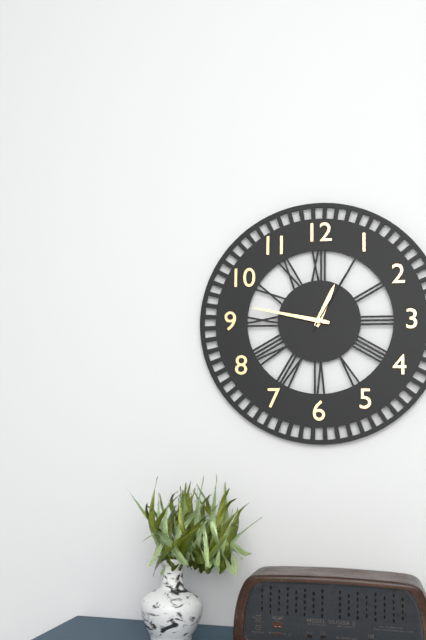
12:47:05
